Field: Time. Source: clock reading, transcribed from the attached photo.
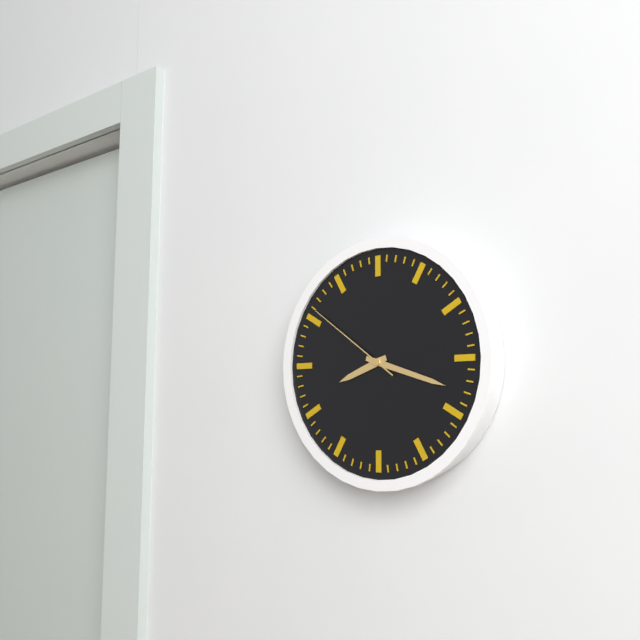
8:18:51
